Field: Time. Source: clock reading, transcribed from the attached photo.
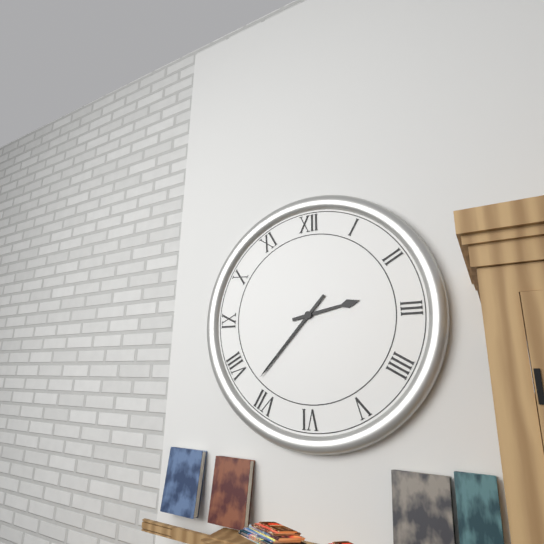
2:37
